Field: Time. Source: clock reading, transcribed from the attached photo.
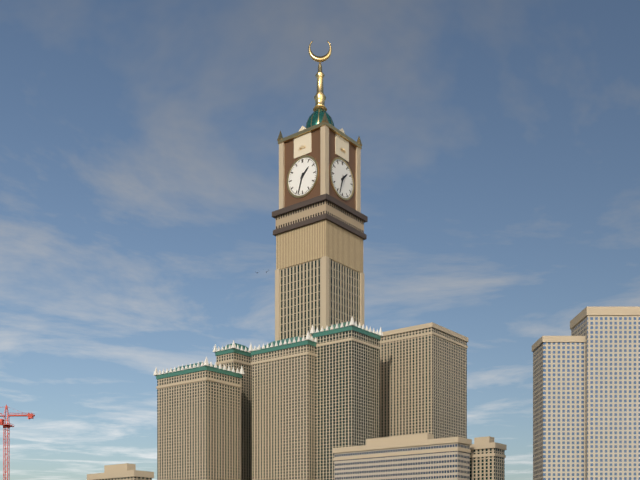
1:33
